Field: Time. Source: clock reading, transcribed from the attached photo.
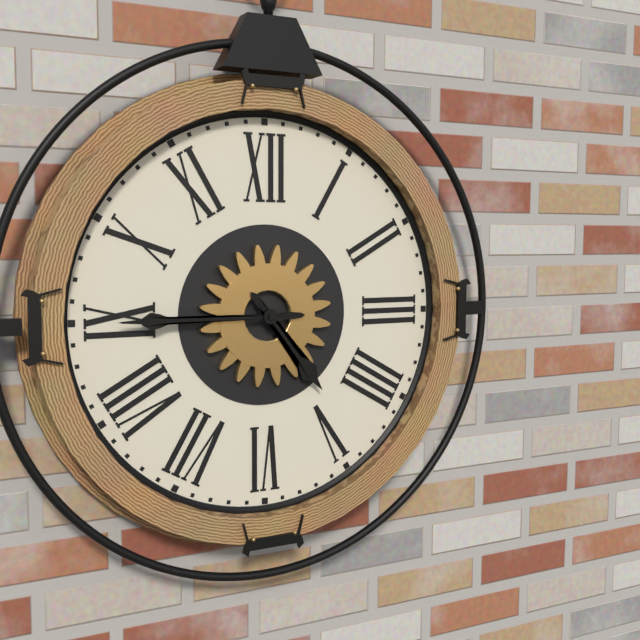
4:45
